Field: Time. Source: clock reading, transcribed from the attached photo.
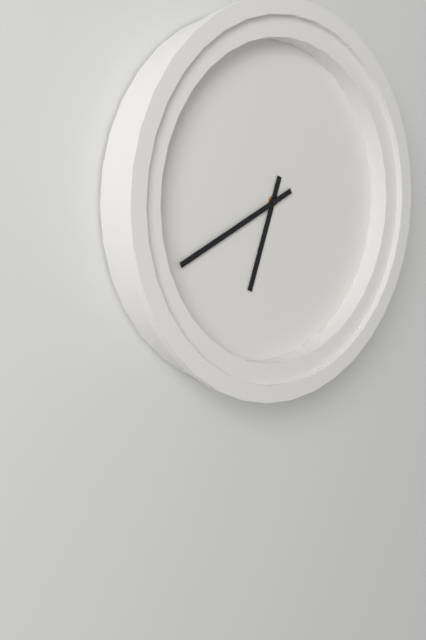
6:41
